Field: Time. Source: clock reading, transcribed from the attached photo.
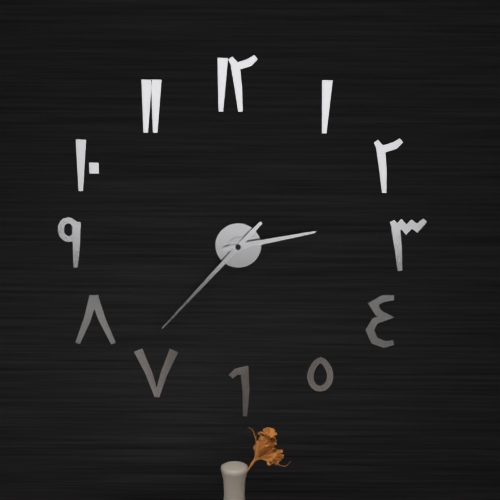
2:37
